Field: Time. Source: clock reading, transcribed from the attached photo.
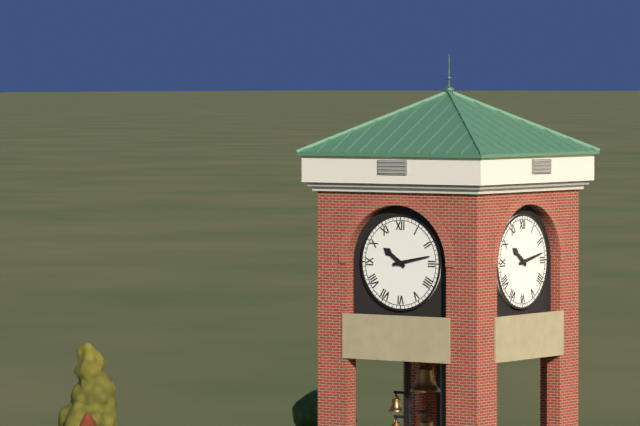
10:13
